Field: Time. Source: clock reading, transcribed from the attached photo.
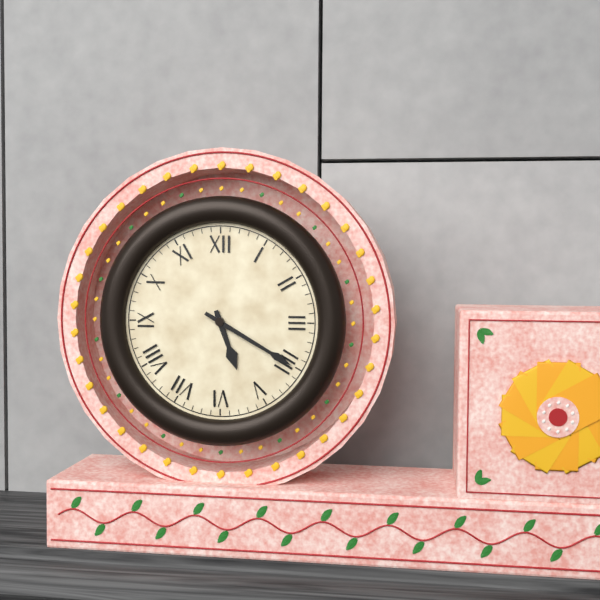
5:20
